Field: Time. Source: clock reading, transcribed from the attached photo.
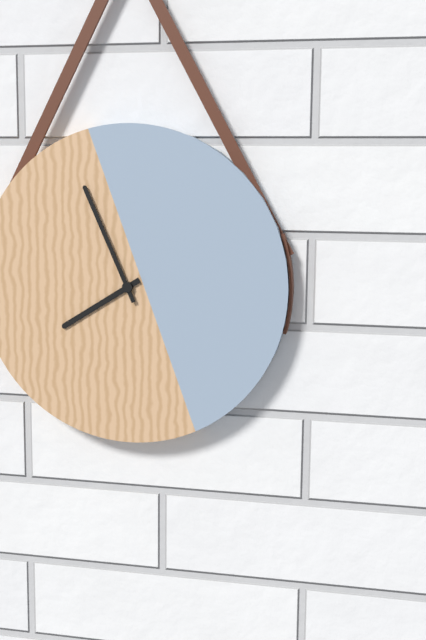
7:56
